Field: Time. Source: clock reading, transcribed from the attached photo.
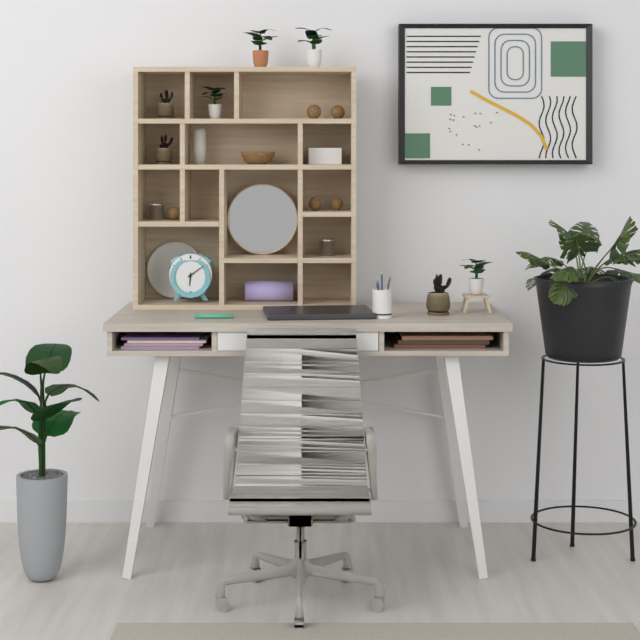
6:09
